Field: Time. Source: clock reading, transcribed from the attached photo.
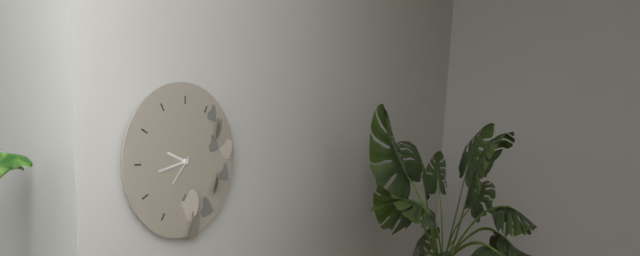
9:43
